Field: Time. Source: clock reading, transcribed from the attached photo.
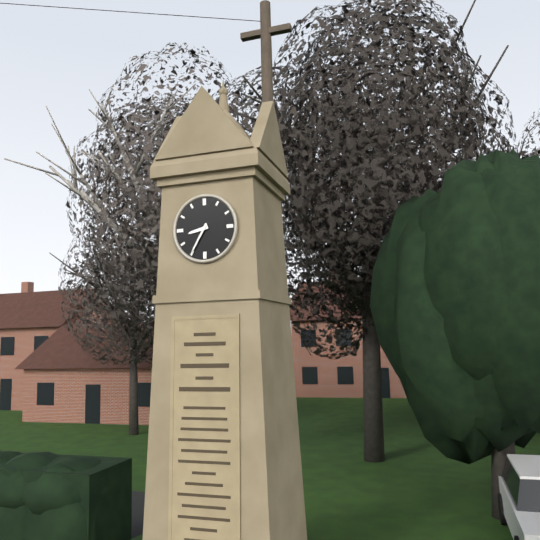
8:35
